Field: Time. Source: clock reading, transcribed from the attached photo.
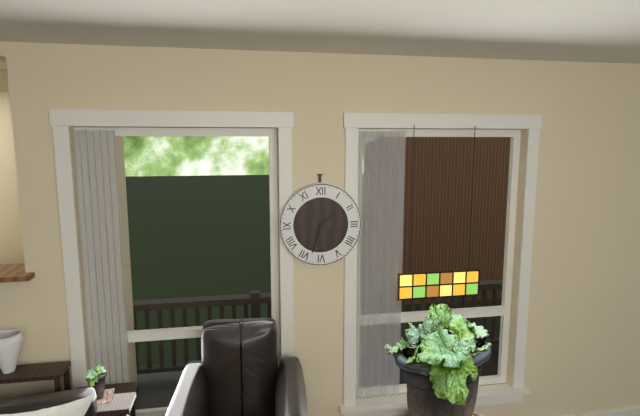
1:33
